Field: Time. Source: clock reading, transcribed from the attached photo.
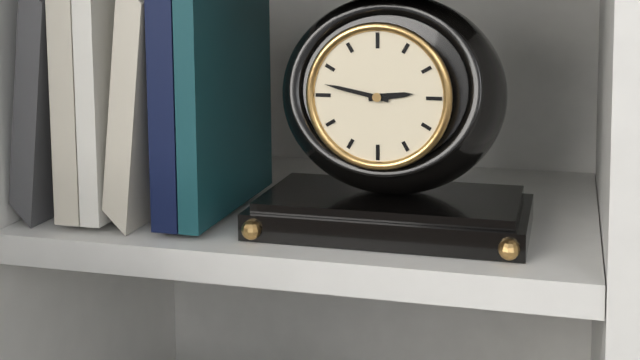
2:47
